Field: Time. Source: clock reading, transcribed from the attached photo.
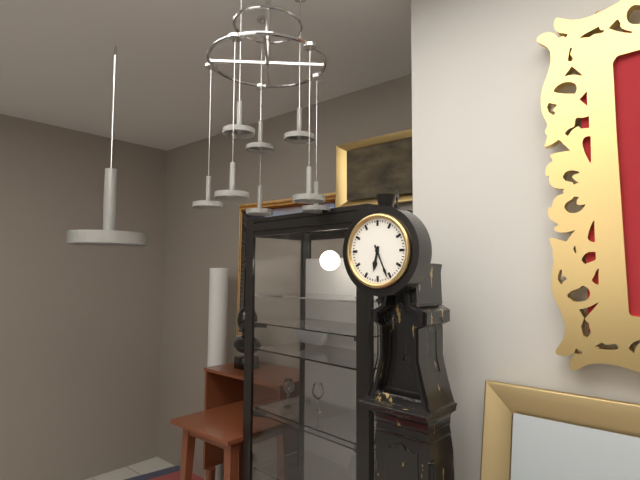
6:26
